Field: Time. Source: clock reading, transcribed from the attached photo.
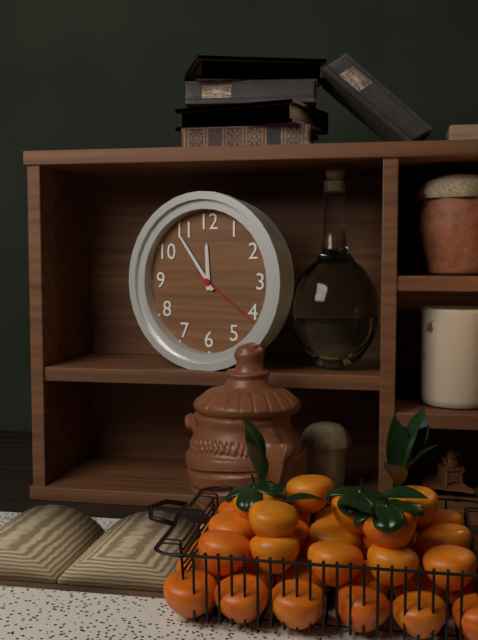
11:54:21
